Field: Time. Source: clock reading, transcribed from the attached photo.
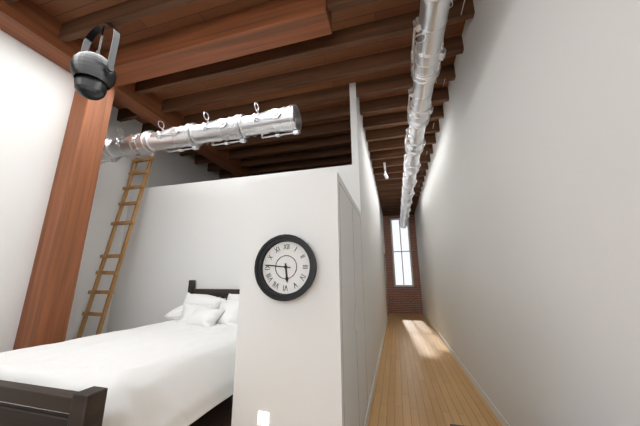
5:46
